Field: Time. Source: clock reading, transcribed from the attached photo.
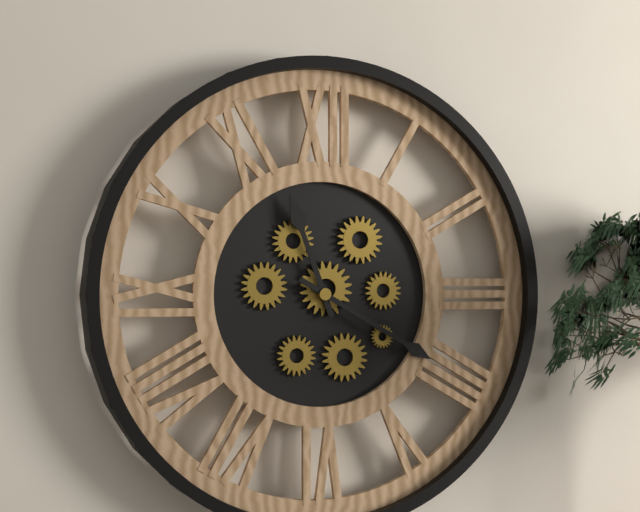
11:20
